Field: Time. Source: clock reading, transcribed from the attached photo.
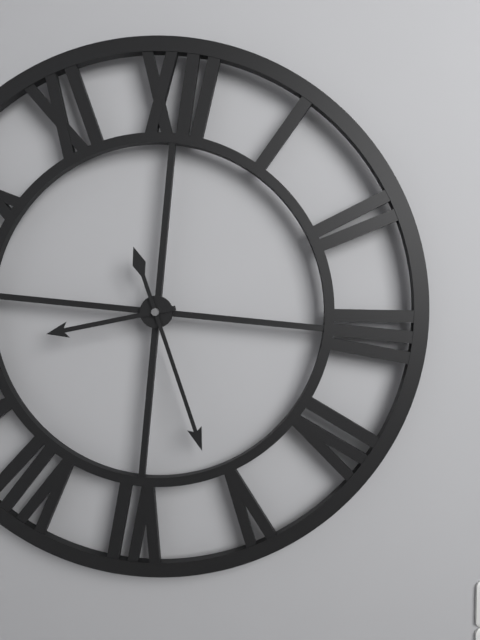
8:26
